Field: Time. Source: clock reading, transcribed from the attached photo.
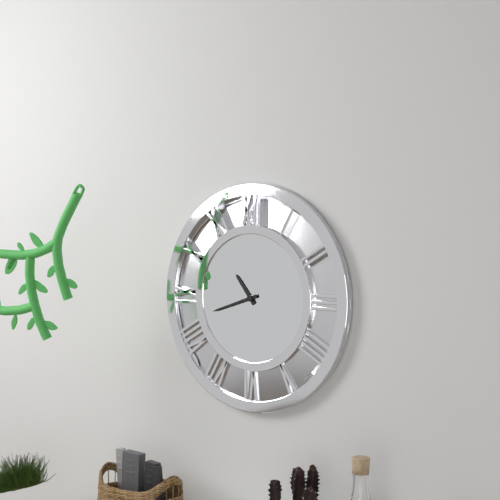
10:42
